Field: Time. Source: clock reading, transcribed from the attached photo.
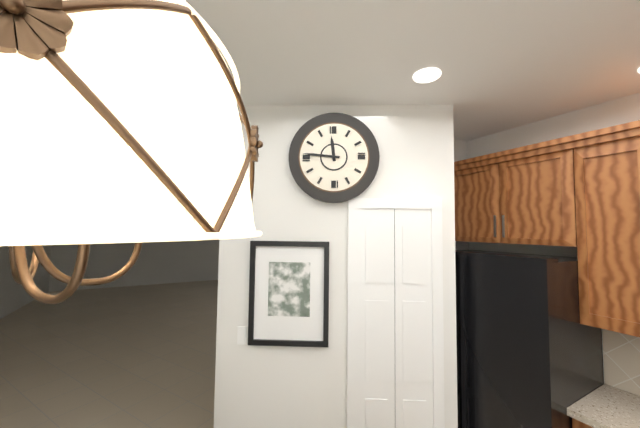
11:46
